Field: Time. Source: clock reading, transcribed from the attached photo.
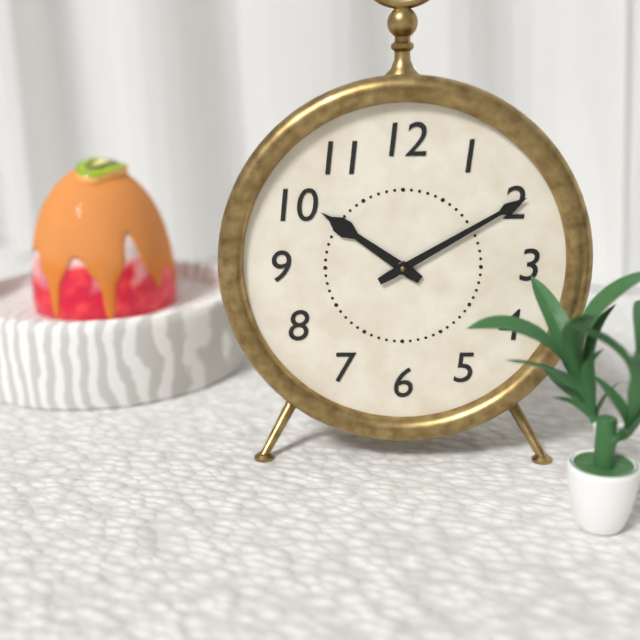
10:10
